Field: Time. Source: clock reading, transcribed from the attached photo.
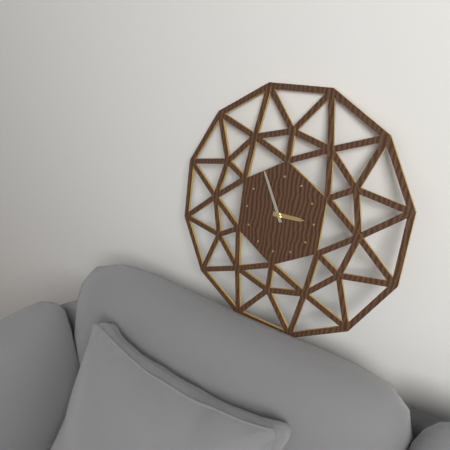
2:55
